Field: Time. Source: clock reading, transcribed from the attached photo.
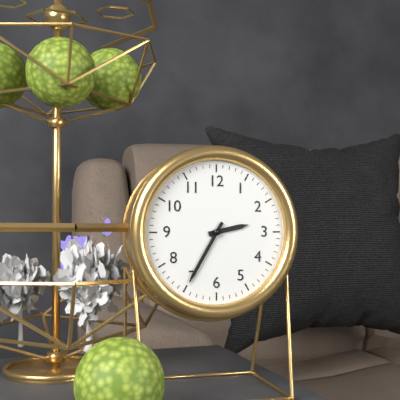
2:35
